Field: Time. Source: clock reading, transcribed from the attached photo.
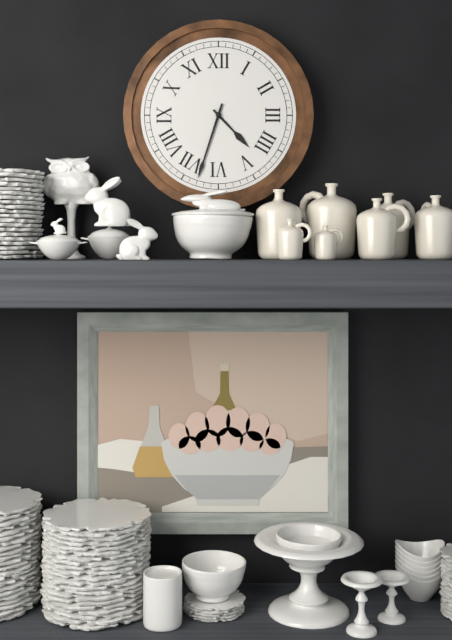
4:33
